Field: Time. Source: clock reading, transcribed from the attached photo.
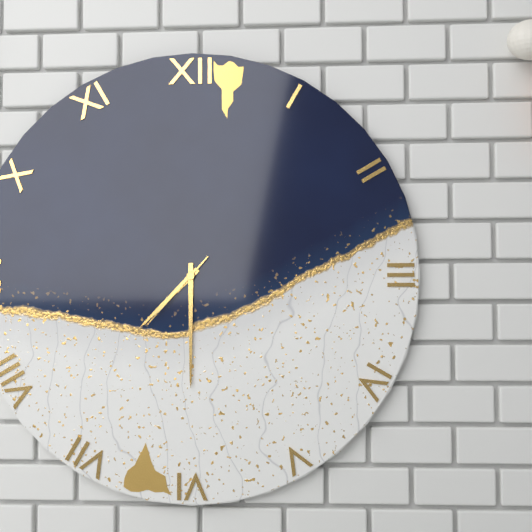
7:30:37
